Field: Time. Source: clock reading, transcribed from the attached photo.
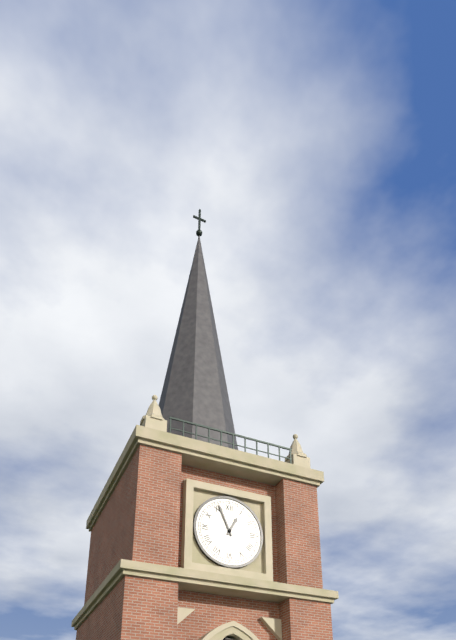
12:56
